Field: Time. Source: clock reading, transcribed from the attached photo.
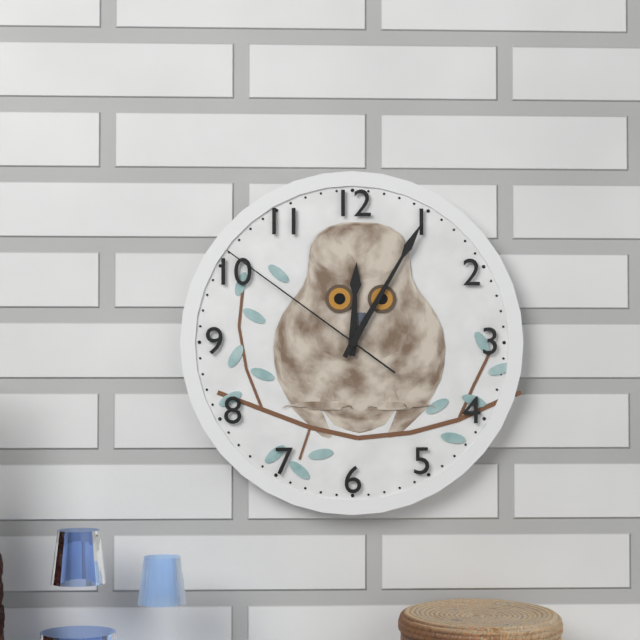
12:05:51
